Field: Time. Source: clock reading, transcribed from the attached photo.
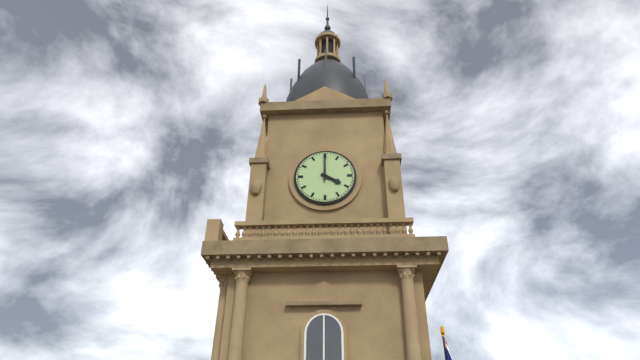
4:00
